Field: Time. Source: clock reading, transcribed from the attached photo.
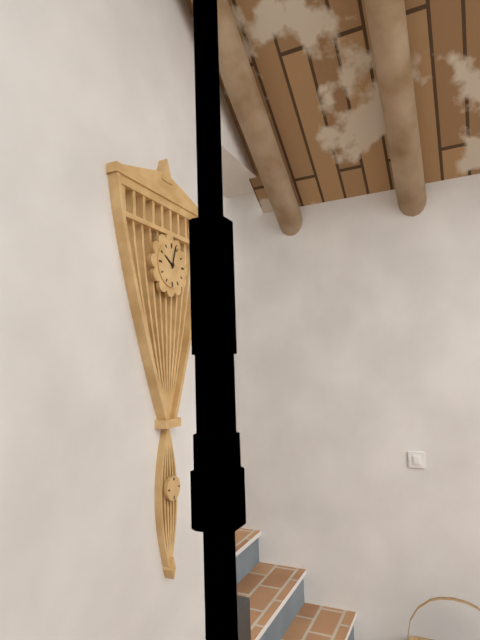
10:03
